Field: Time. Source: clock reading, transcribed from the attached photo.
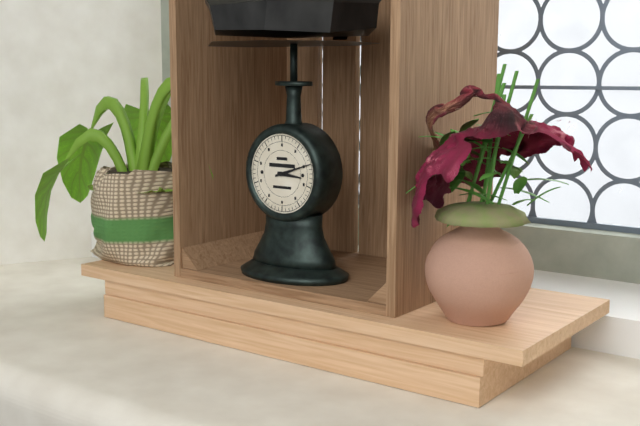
3:12
